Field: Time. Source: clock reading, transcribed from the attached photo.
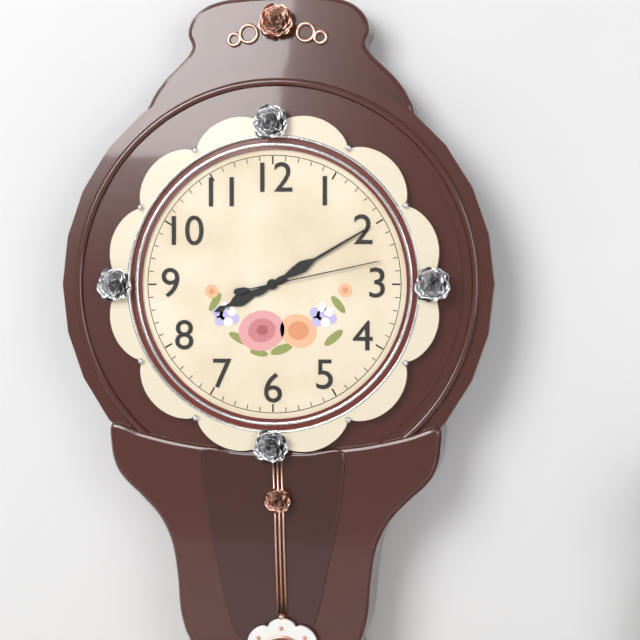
8:10:13
